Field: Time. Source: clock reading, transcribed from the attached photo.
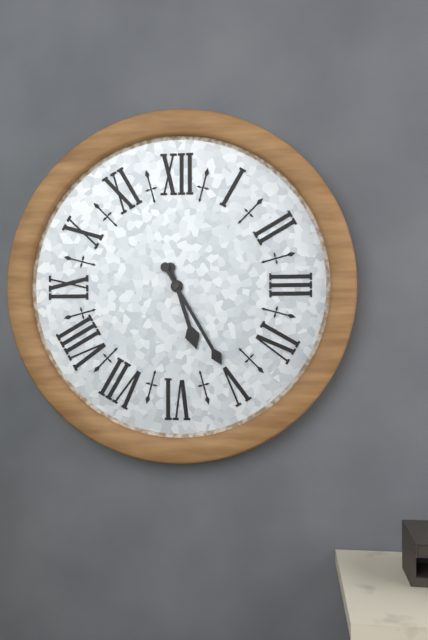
5:25
